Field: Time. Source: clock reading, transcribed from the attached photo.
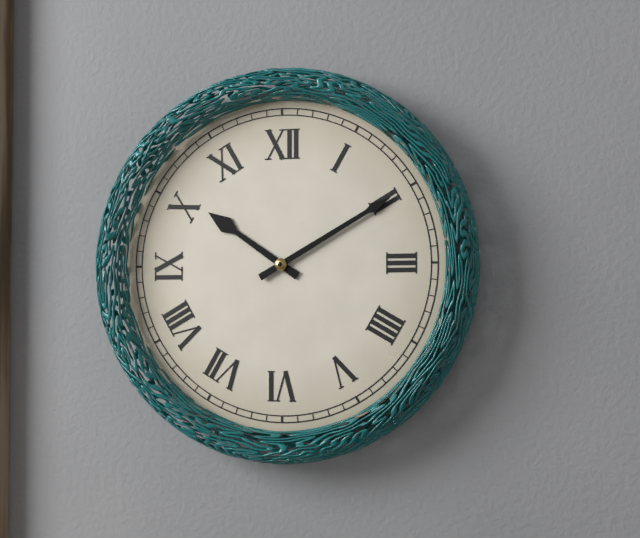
10:10
